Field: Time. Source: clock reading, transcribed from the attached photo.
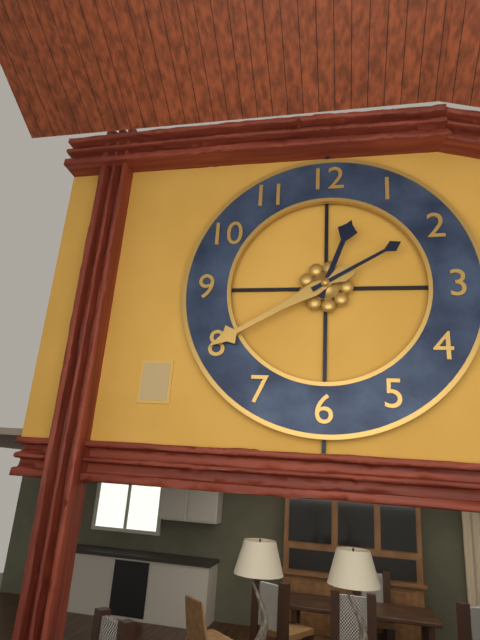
12:40:10
